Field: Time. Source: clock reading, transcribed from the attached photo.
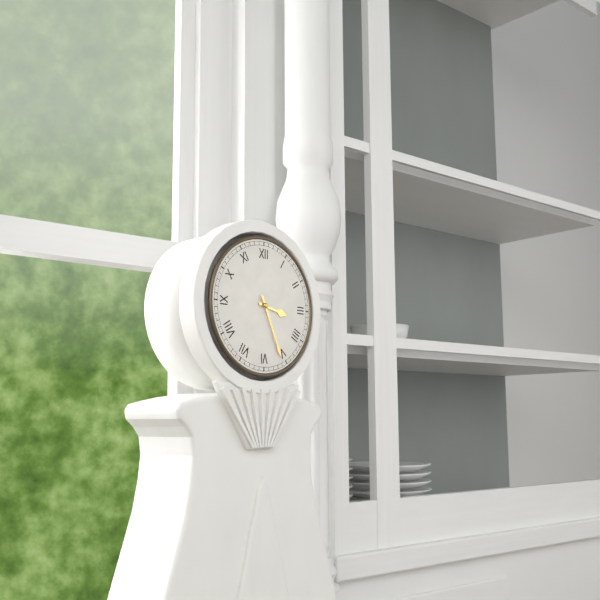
3:26
